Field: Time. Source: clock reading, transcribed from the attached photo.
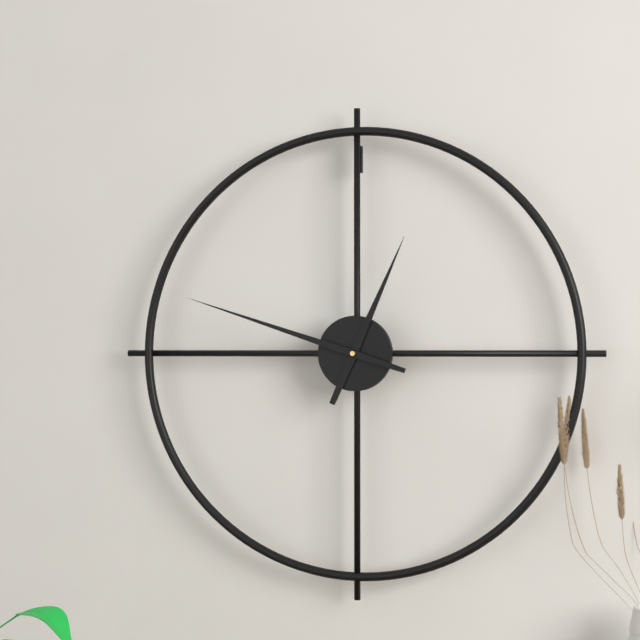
12:48
